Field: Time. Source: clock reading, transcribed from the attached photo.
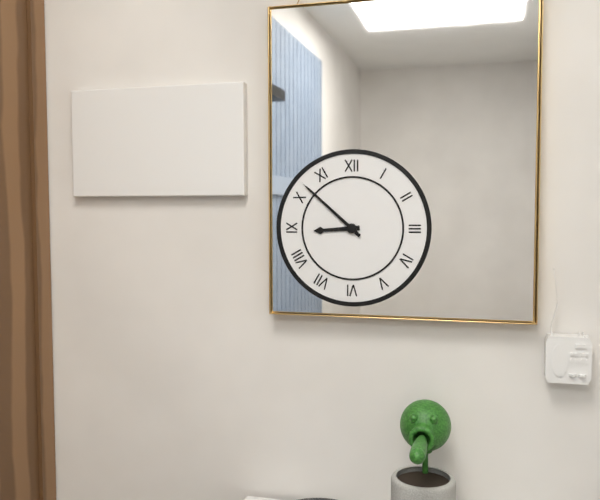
8:52
